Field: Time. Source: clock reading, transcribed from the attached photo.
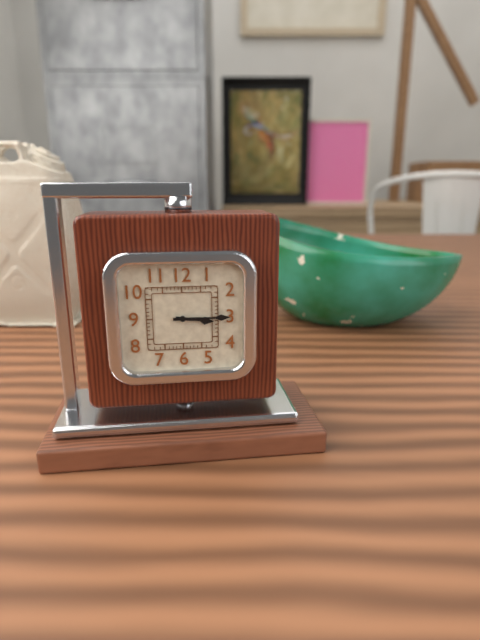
3:15
